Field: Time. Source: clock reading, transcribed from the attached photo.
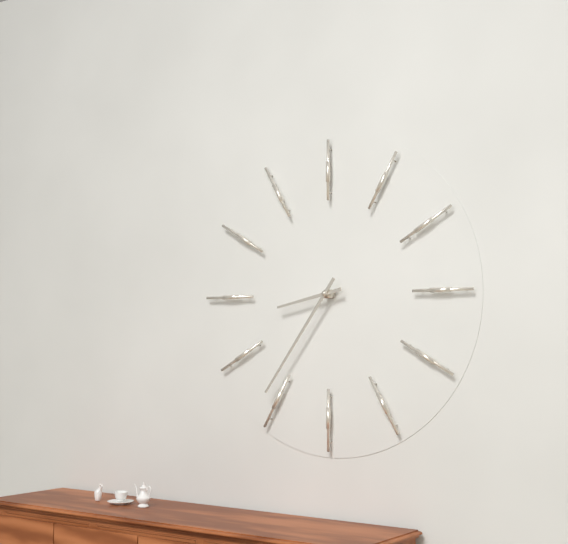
8:36
